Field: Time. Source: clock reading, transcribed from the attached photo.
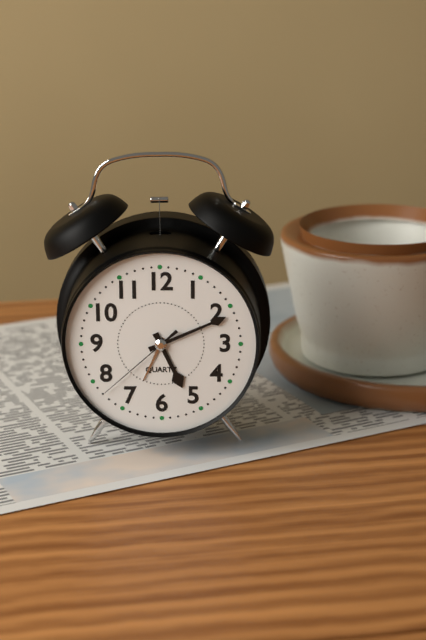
5:11:38
